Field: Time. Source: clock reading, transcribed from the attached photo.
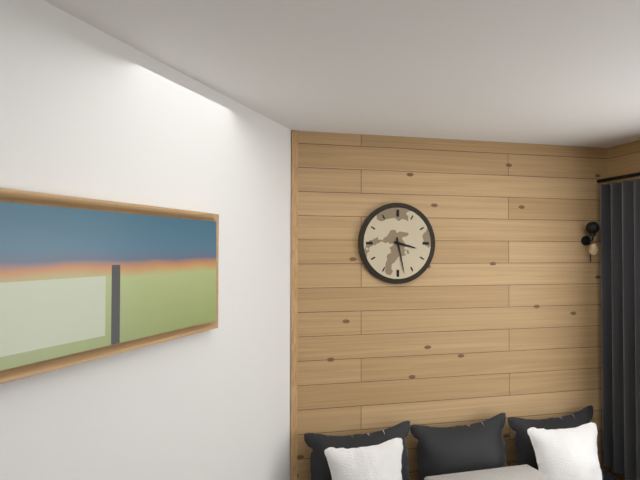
3:28
